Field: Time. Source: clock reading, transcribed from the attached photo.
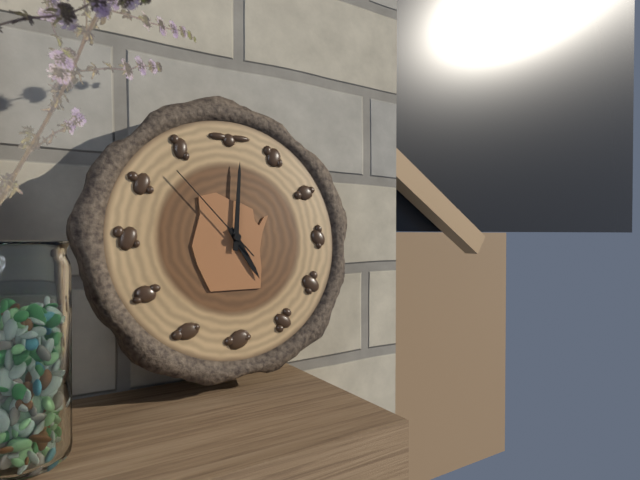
5:01:53
